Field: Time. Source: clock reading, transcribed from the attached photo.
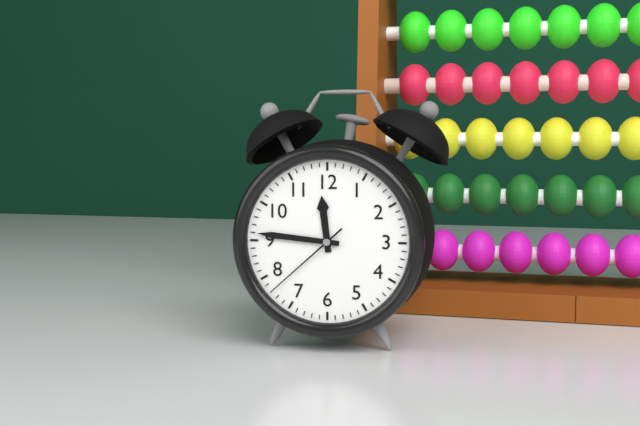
11:46:38
